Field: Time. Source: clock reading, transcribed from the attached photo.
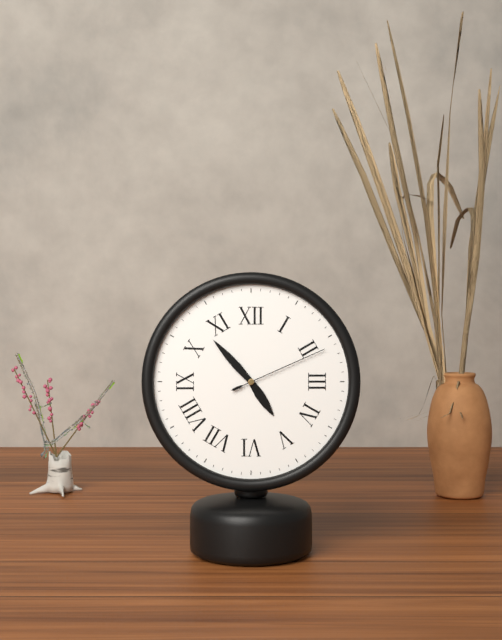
4:53:11
